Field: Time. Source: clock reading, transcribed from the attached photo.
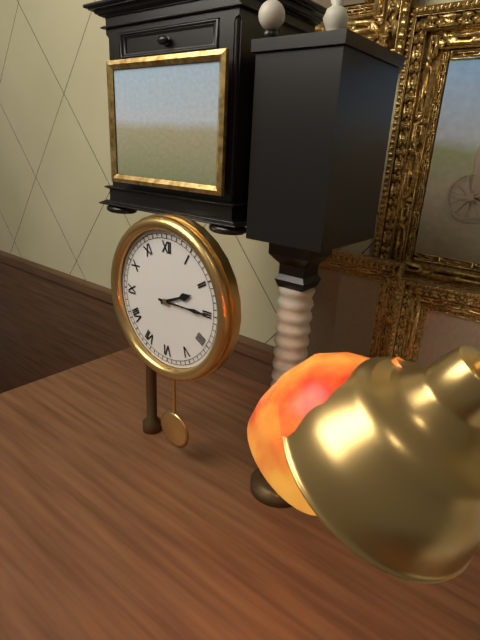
2:15
